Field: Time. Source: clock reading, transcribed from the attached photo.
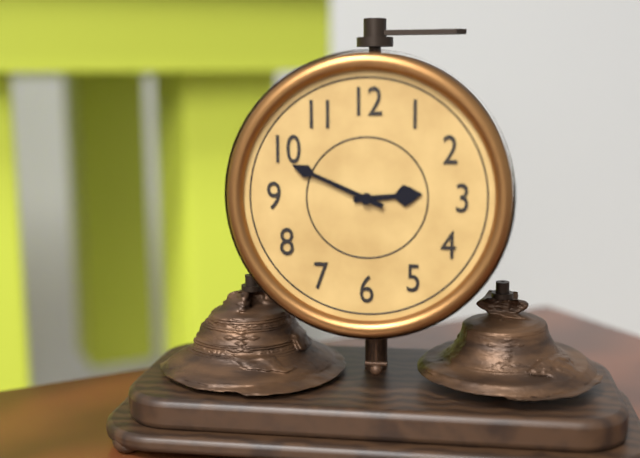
2:49
